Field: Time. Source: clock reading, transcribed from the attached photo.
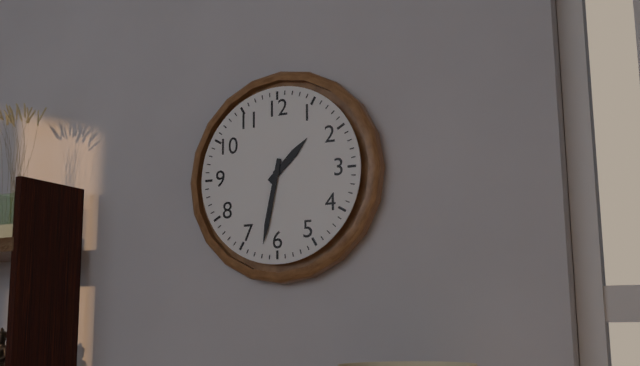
1:32
